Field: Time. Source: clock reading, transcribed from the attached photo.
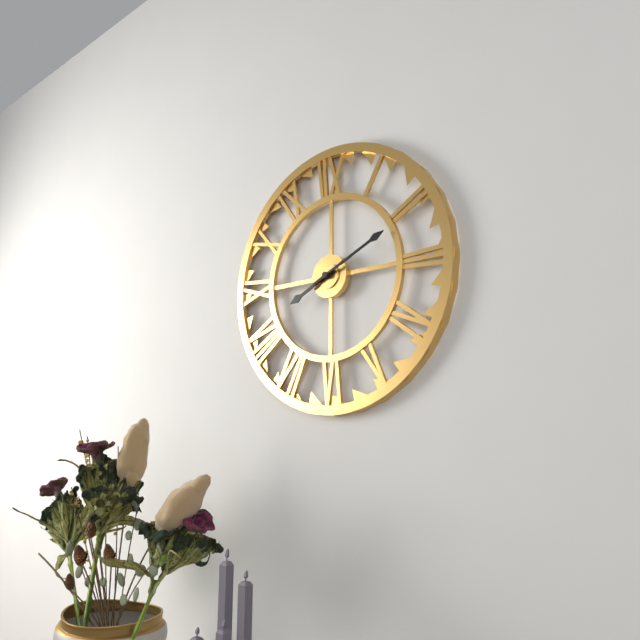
8:11
